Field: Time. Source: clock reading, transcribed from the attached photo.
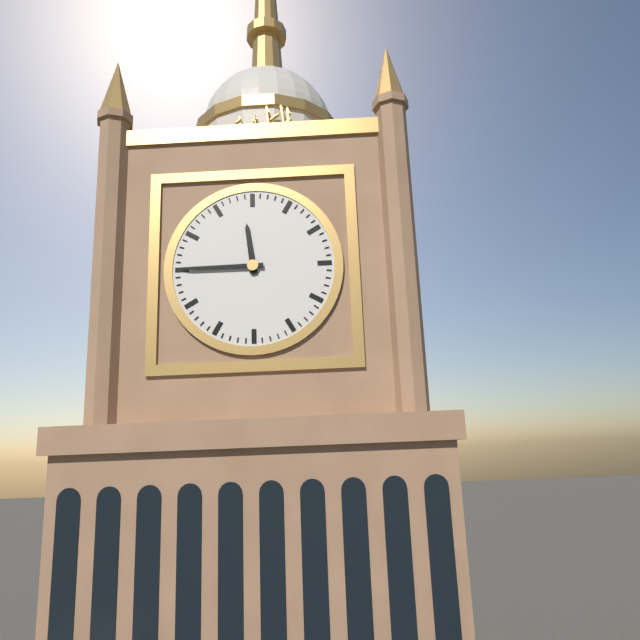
11:45
